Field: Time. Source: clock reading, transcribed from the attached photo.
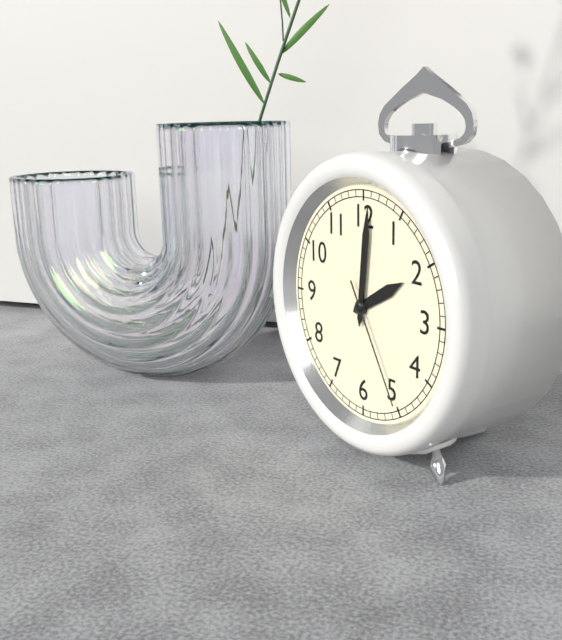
2:01:25
